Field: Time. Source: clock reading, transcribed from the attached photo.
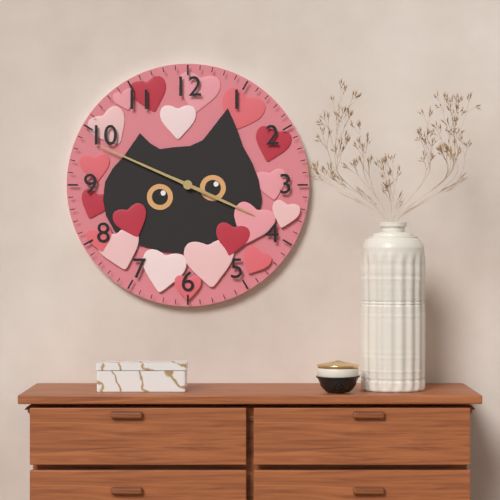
3:49
